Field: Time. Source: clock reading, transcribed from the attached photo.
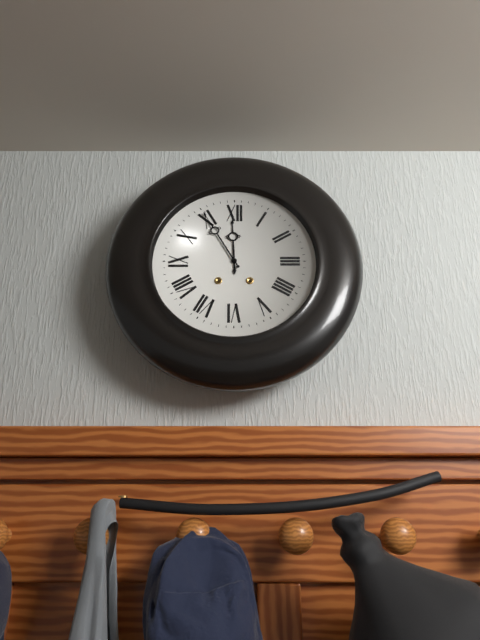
11:55
